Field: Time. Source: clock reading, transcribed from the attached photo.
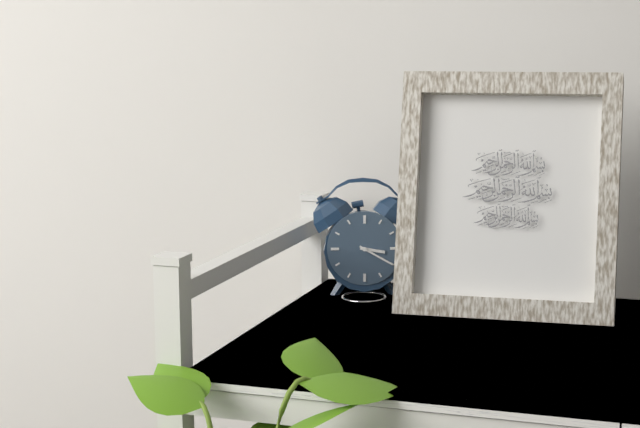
3:20
